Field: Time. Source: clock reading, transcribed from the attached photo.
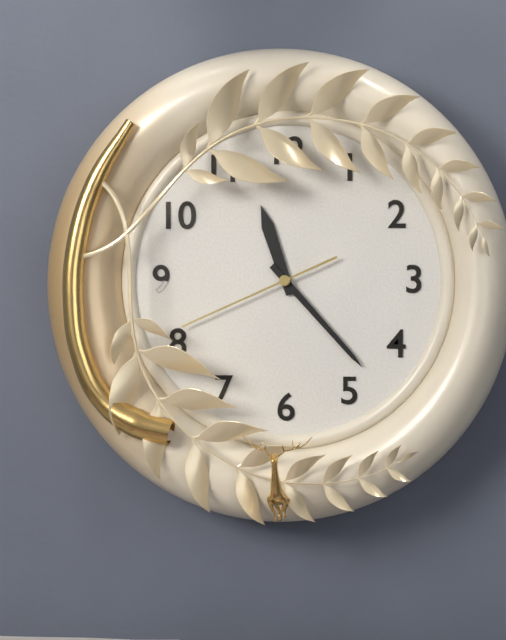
11:23:41
